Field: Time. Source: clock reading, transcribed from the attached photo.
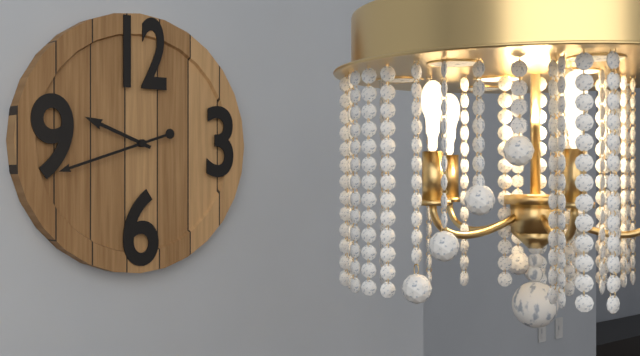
9:42
